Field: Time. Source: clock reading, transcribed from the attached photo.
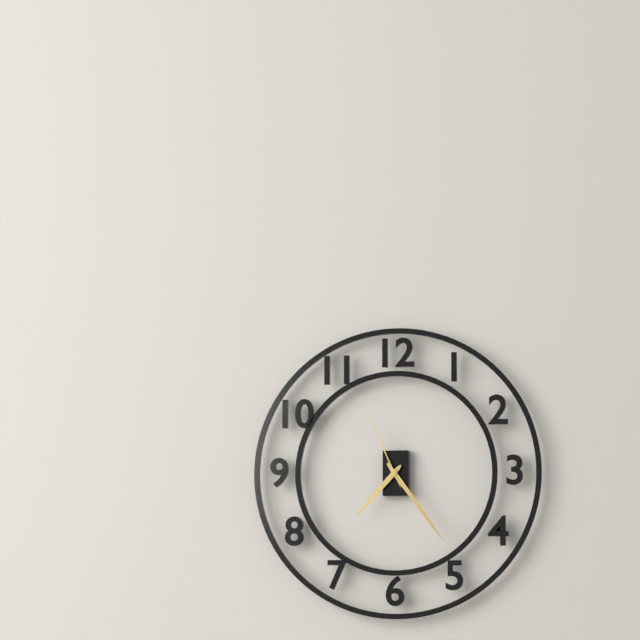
7:24:56
